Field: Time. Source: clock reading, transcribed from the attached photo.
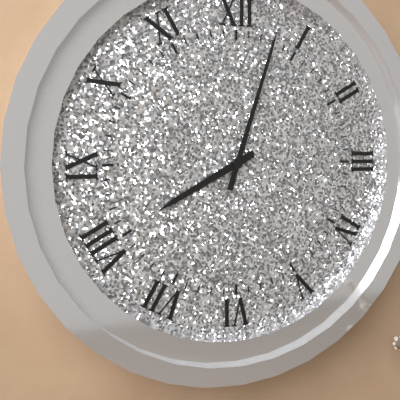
8:03
